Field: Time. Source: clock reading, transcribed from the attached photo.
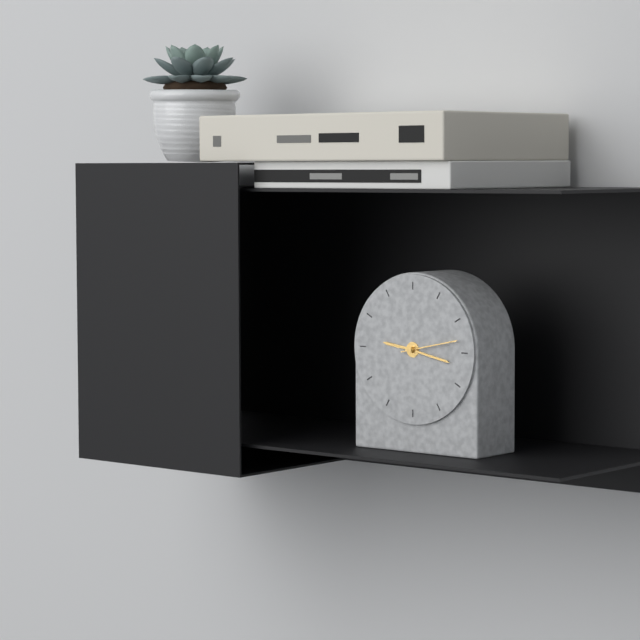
9:17:13
